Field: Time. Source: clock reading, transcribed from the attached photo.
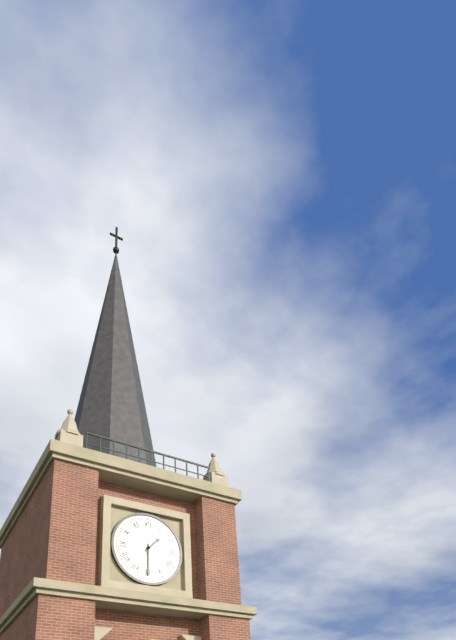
1:30
